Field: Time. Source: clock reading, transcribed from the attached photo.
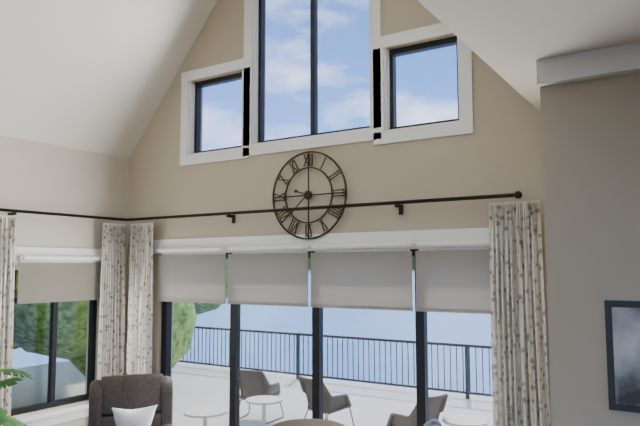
9:38
